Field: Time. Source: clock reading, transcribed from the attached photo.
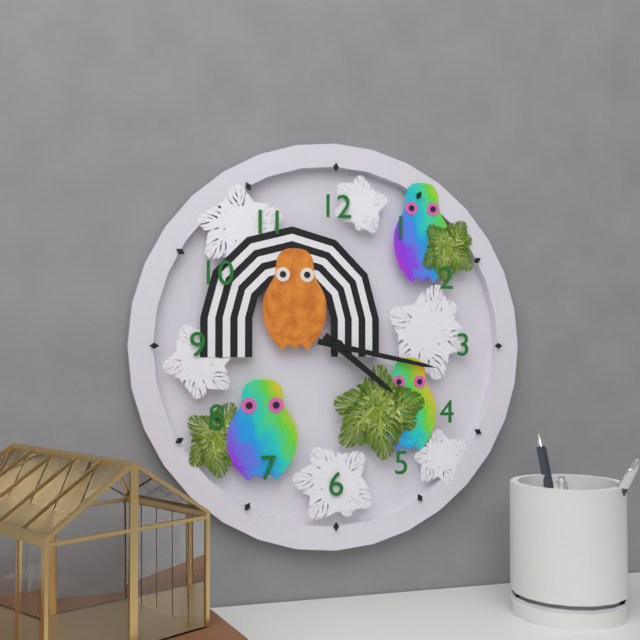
4:17
